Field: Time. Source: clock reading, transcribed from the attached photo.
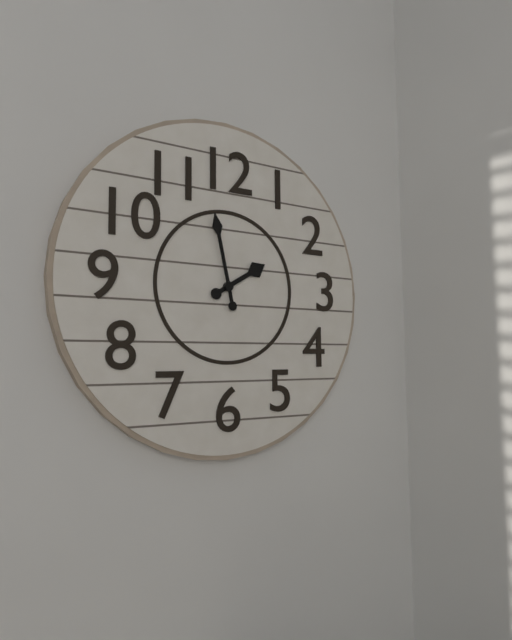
1:58
